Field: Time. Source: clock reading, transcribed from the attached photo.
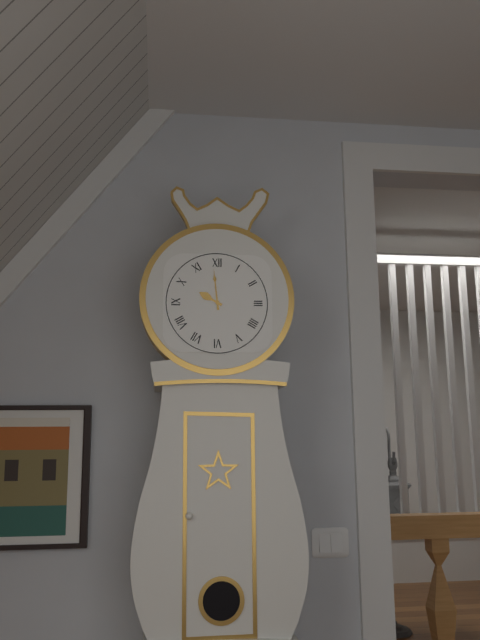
9:59
